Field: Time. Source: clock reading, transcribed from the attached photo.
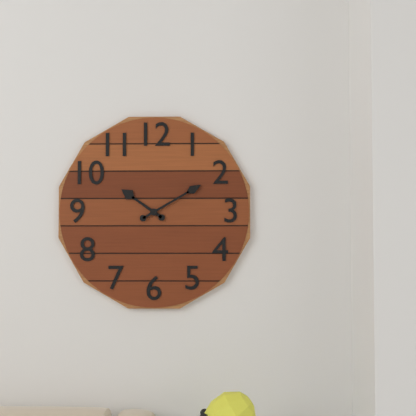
10:10
